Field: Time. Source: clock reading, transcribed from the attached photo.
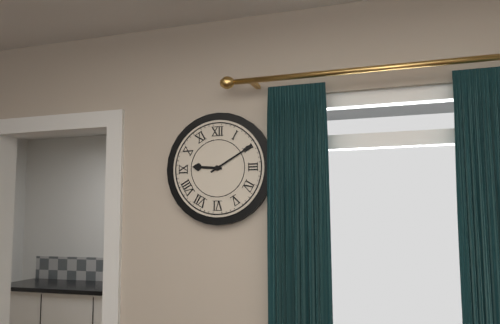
9:10
